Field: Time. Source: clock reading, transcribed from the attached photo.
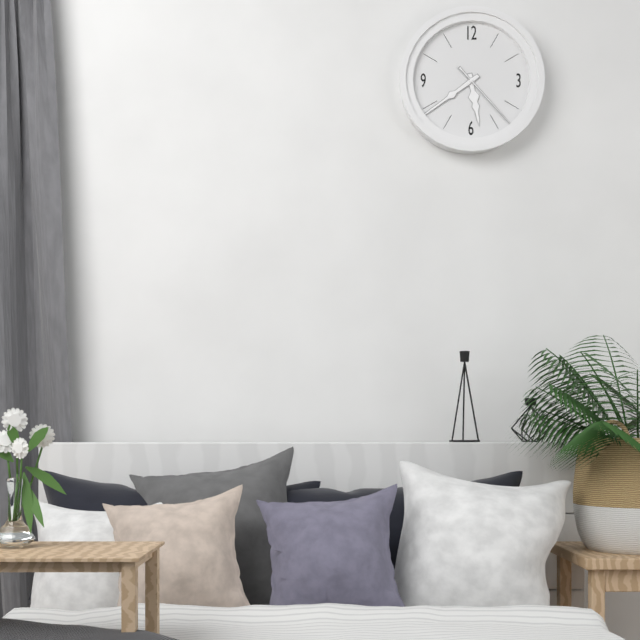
5:39:23
